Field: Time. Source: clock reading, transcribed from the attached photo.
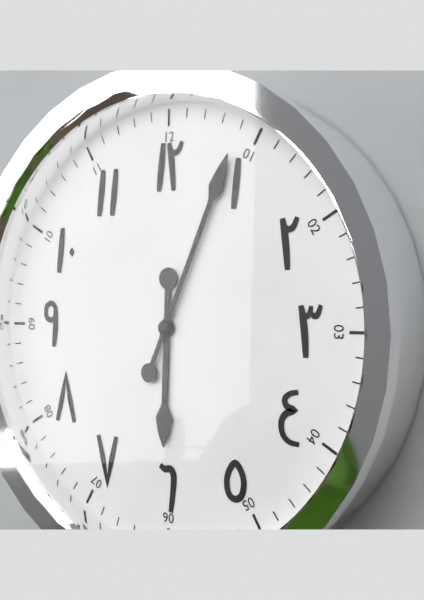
6:04
